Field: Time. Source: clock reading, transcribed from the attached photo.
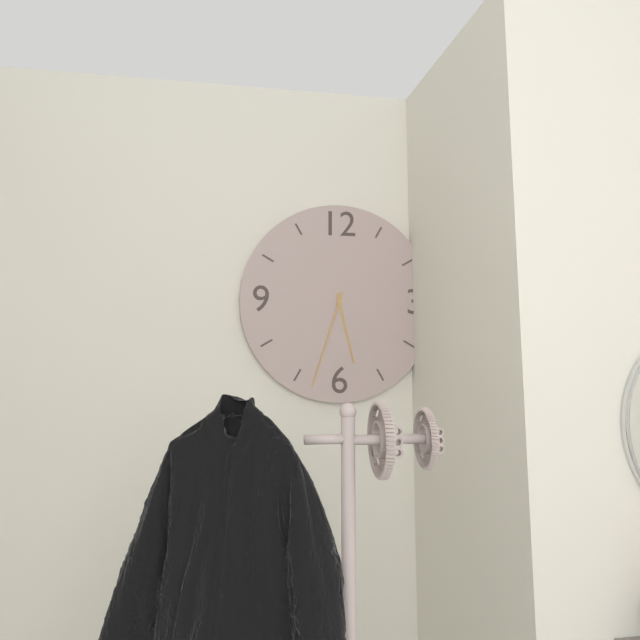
5:33
